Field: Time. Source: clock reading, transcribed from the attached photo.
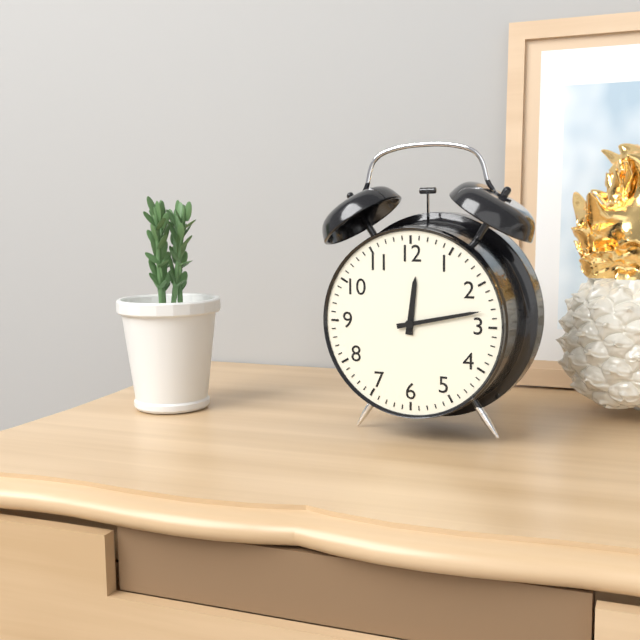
12:13
